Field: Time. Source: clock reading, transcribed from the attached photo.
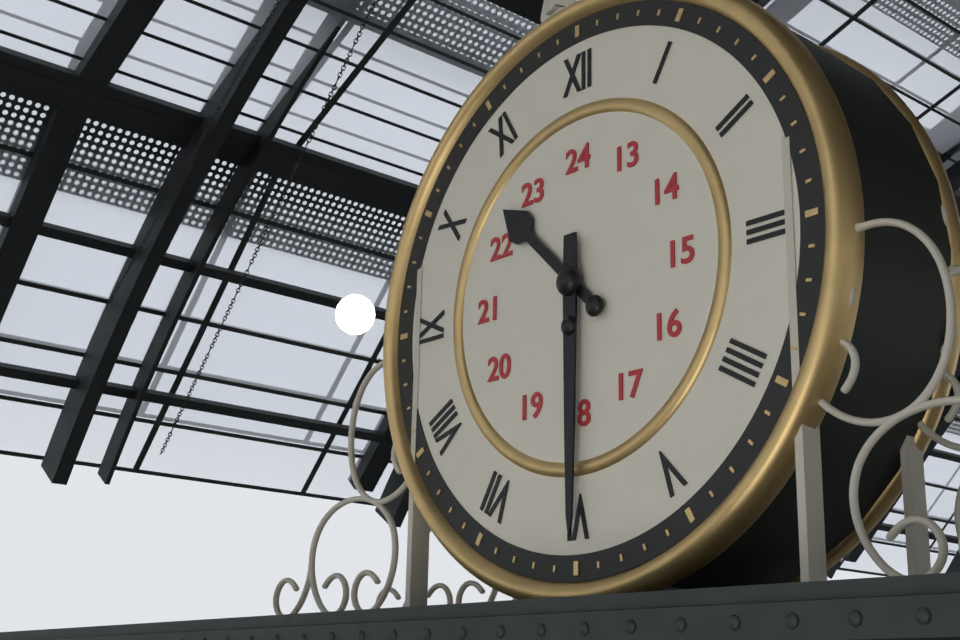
10:30
